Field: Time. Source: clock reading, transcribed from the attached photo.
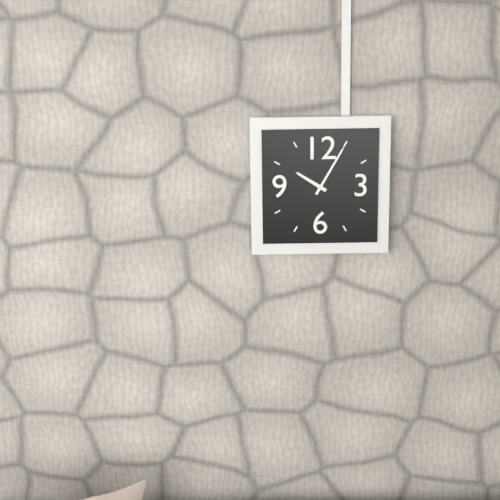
10:05
